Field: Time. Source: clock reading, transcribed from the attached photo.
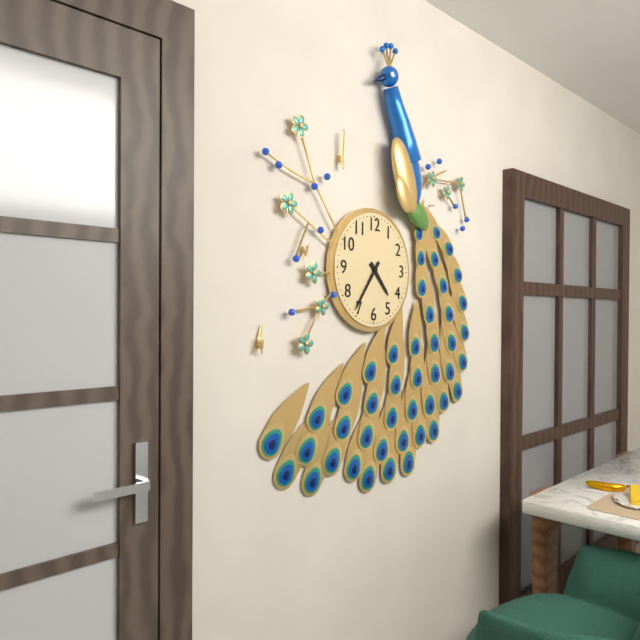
4:36
